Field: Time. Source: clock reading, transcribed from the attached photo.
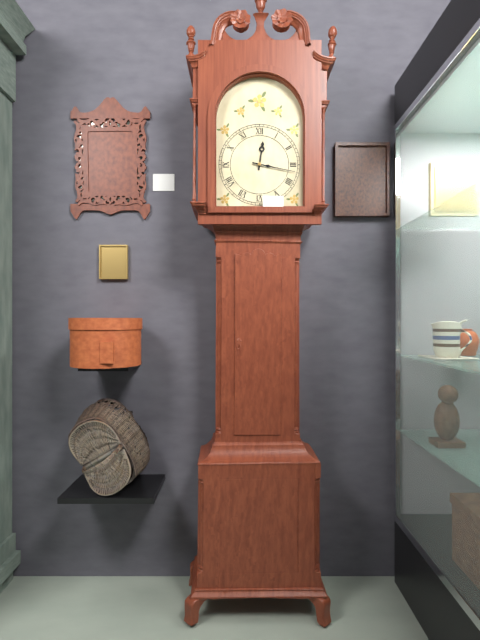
12:17
